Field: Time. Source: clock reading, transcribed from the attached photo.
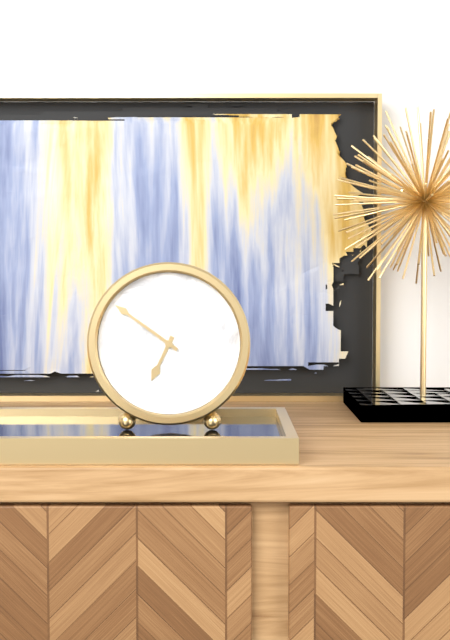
6:51
